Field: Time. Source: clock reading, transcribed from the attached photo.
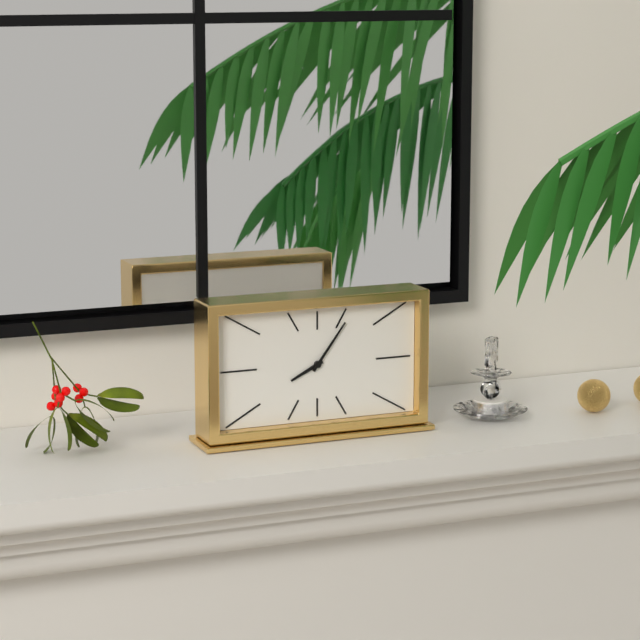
8:06
